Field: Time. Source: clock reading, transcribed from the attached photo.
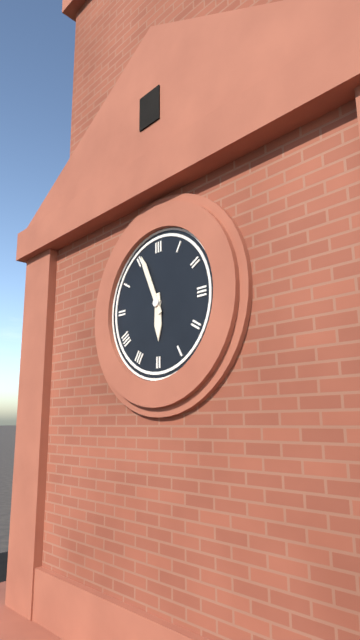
5:56
